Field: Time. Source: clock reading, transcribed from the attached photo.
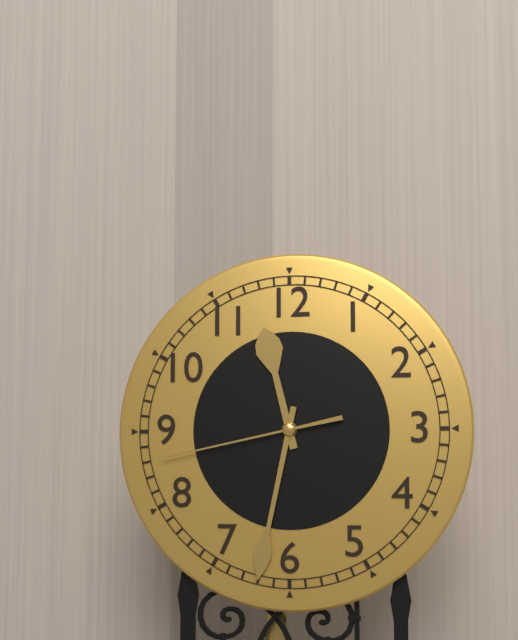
11:32:43
